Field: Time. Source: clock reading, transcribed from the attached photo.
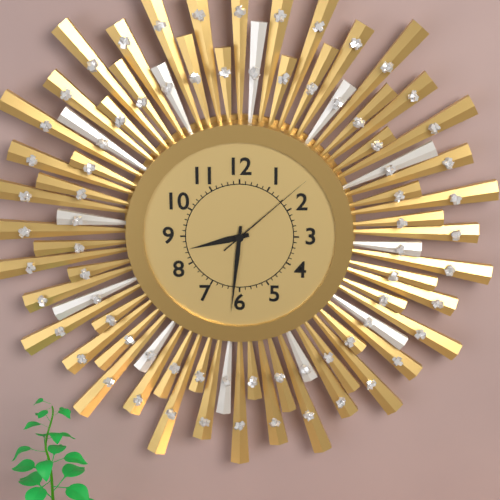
8:31:08
